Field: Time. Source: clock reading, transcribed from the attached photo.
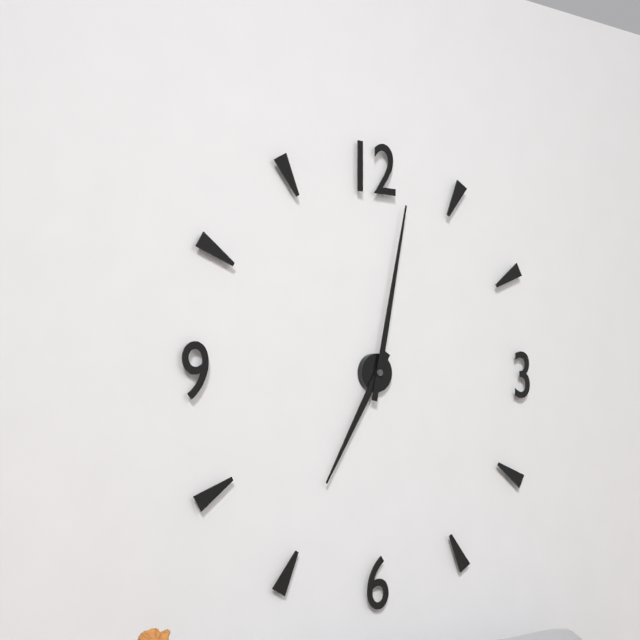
7:02
